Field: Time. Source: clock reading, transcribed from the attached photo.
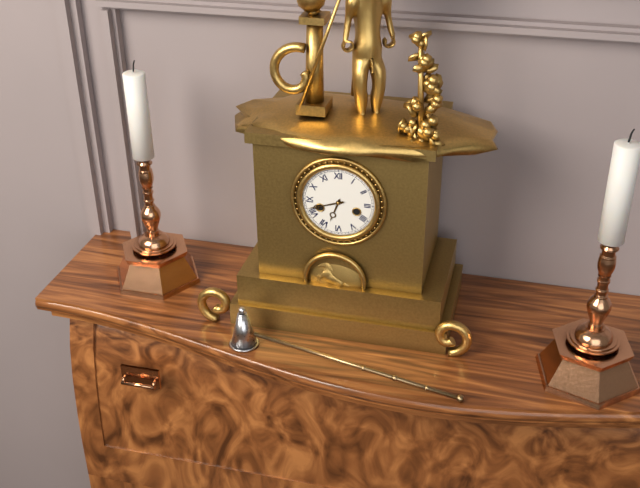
6:42
